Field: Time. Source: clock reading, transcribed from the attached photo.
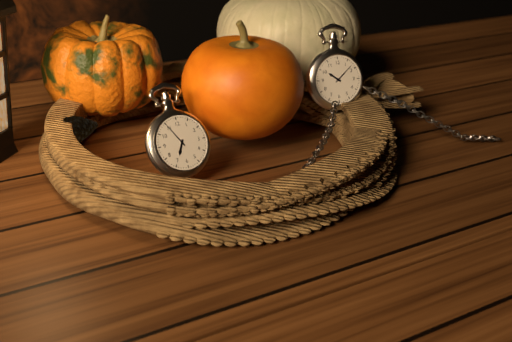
6:55
